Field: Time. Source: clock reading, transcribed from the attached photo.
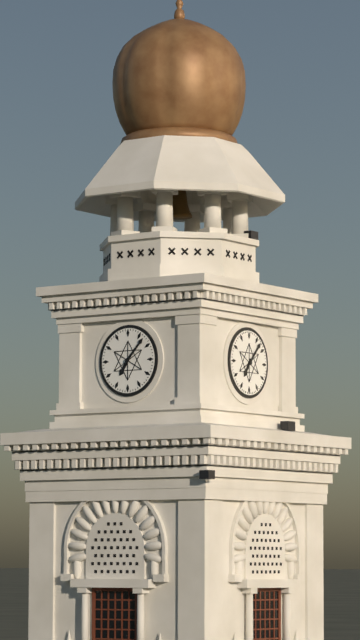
7:07
